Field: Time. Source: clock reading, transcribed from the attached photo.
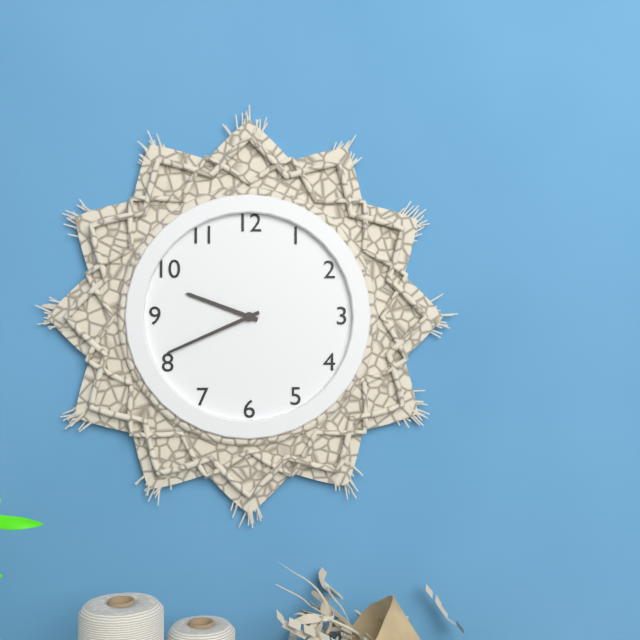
9:41
